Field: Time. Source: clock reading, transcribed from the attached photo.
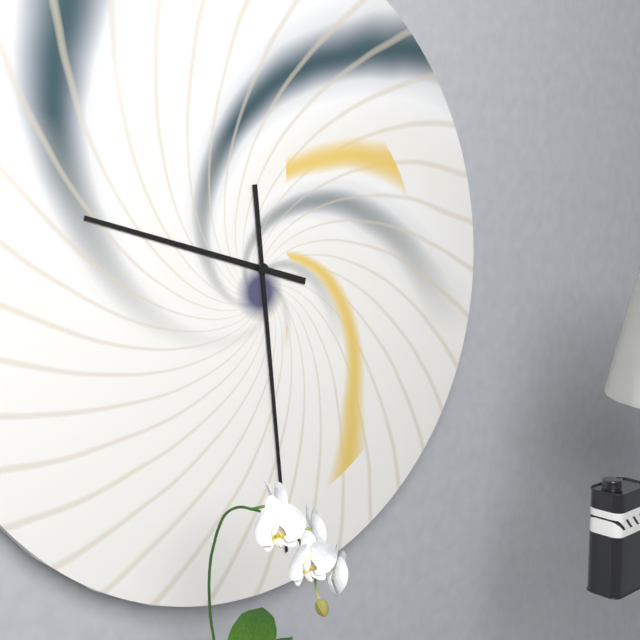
9:29
